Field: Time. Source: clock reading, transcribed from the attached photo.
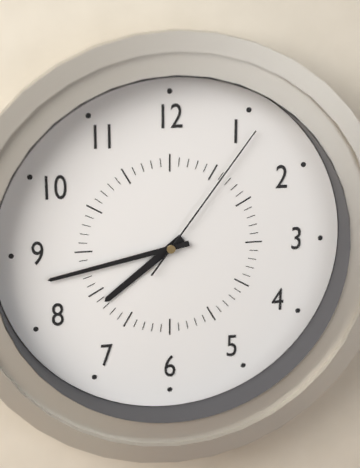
7:43:06
